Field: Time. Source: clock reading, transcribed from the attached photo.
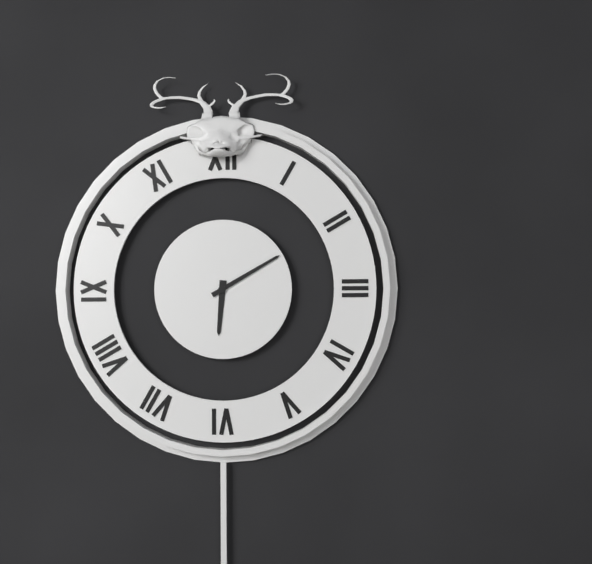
6:10
